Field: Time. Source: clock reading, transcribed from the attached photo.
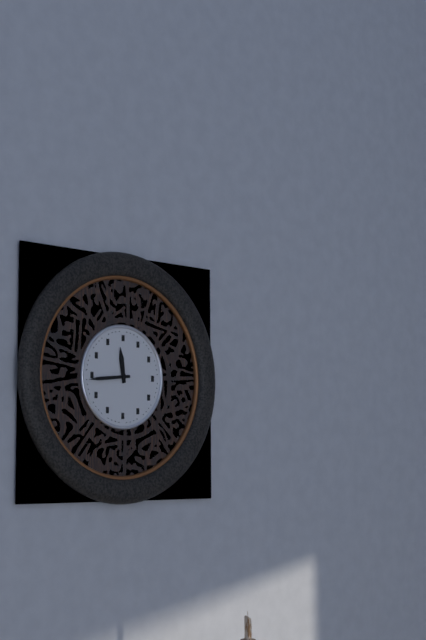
11:44
